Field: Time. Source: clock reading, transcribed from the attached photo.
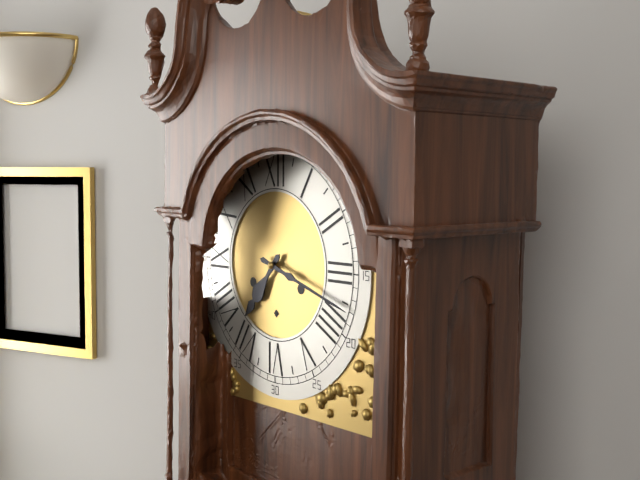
7:18
